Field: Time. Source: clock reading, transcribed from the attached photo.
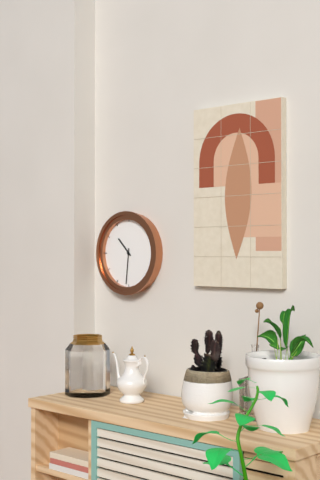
10:31
